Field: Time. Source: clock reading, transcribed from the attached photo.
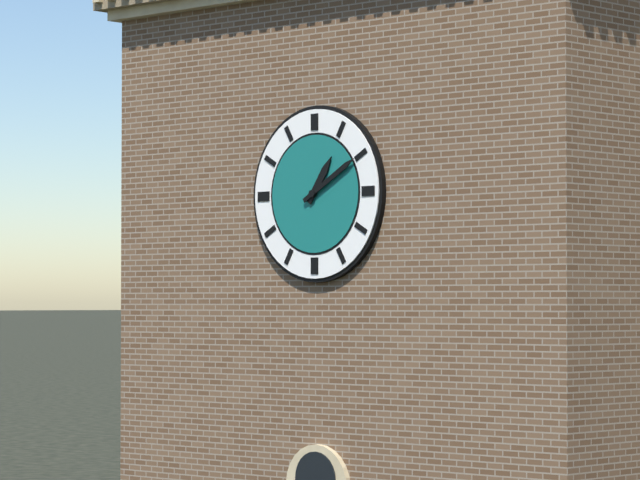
1:10
